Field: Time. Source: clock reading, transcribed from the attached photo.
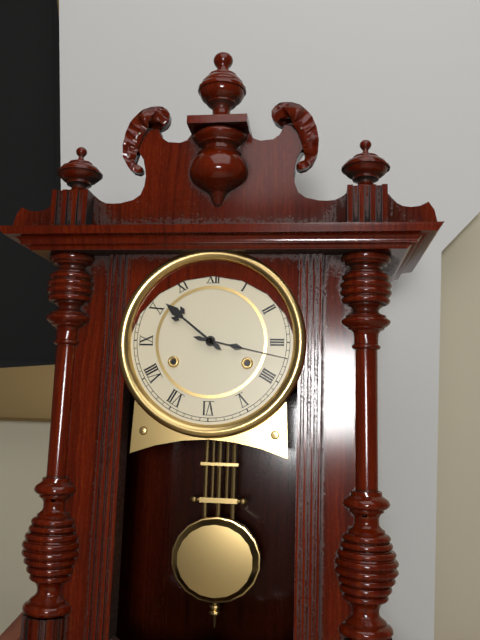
10:17
